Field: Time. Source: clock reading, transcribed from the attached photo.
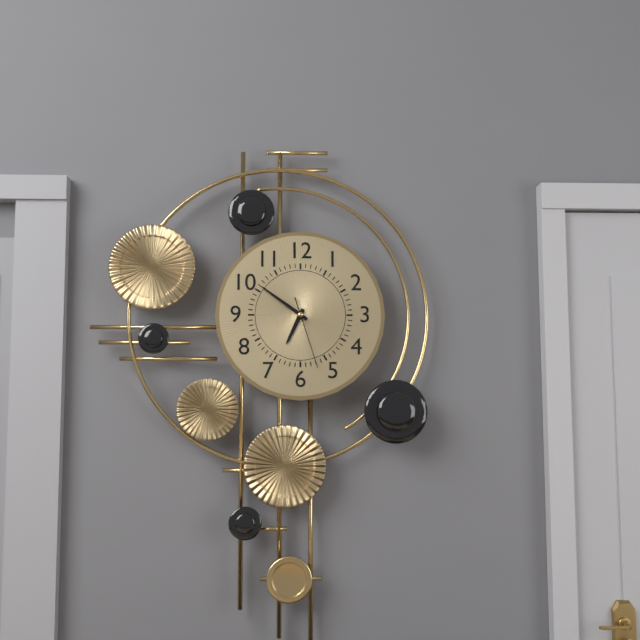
6:51:27
